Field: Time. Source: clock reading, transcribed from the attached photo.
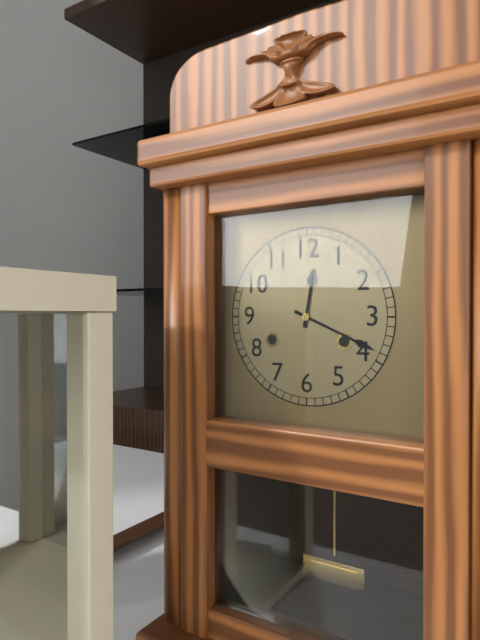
12:19
